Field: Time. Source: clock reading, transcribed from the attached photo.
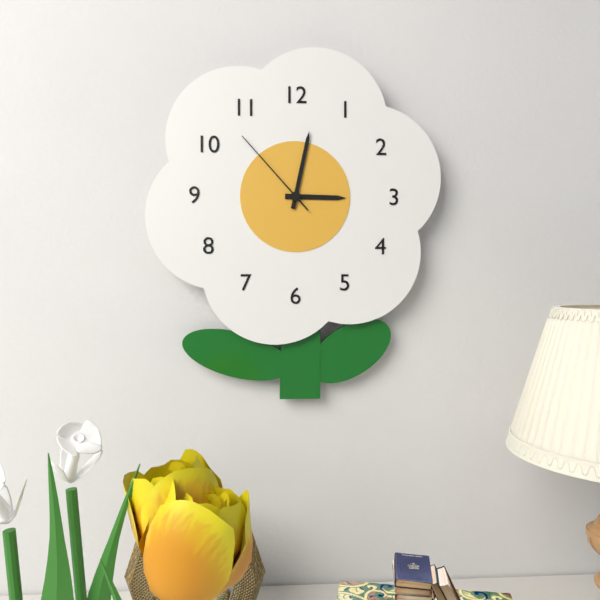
3:02:53
